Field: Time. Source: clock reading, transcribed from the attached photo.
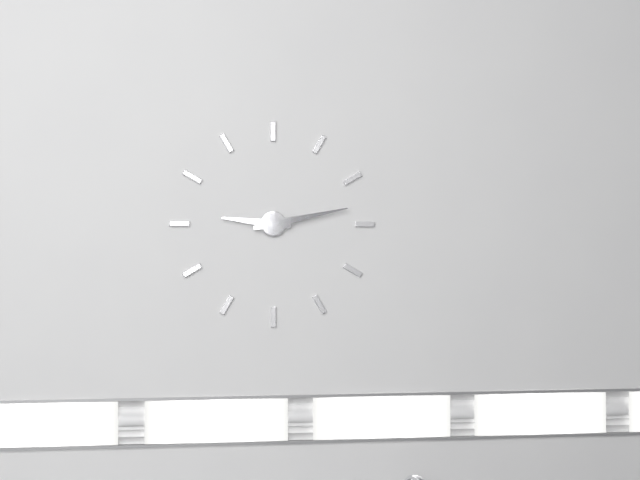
9:13
